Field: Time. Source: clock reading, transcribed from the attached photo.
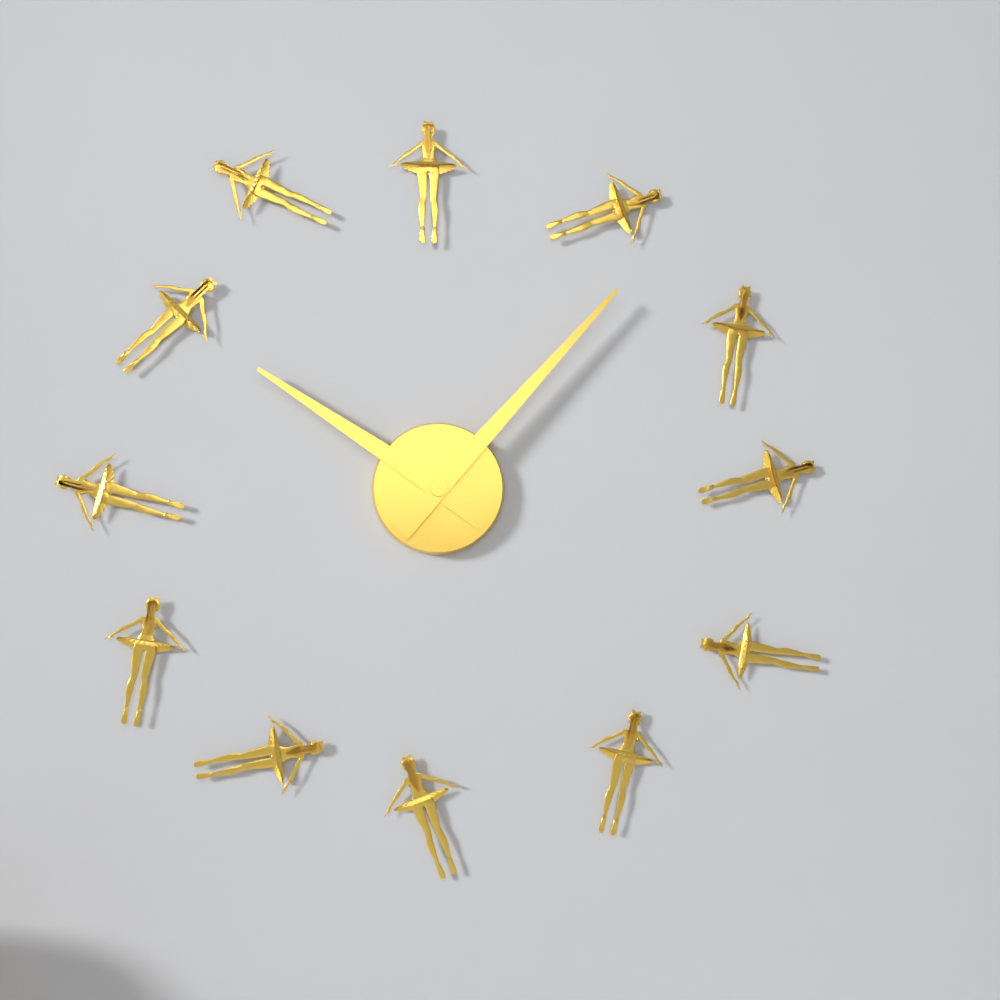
10:07
